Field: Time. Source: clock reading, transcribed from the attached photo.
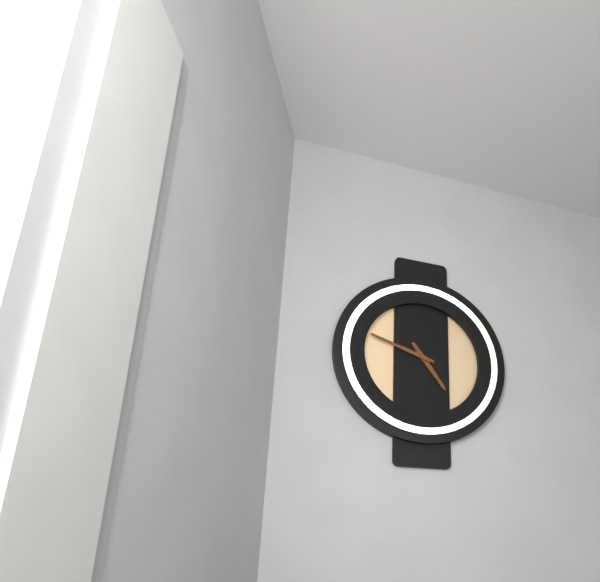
4:48
